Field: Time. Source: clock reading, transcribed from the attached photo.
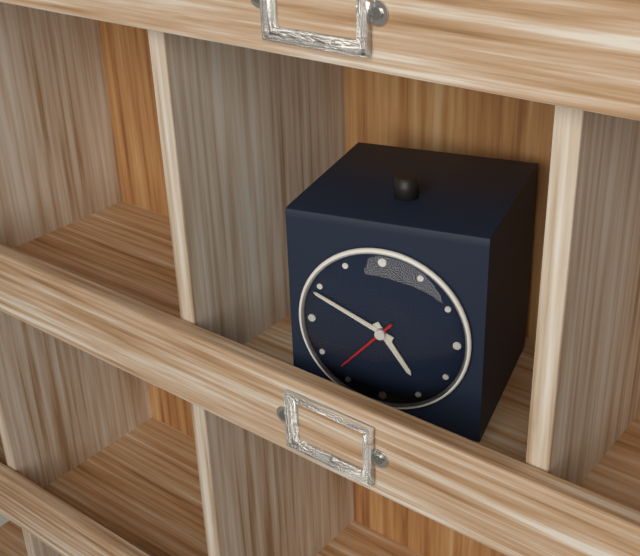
4:49:37
